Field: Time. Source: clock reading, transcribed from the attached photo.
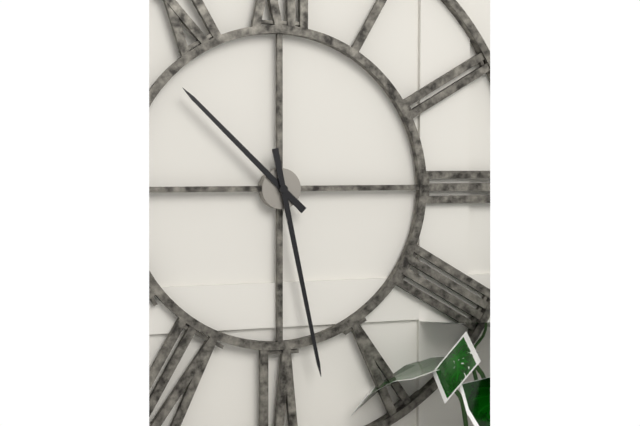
10:28
